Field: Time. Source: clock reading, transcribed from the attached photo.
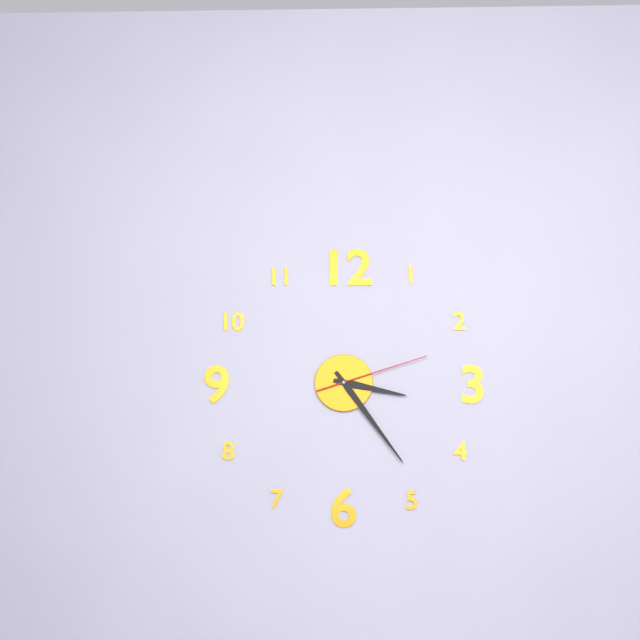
3:24:12
